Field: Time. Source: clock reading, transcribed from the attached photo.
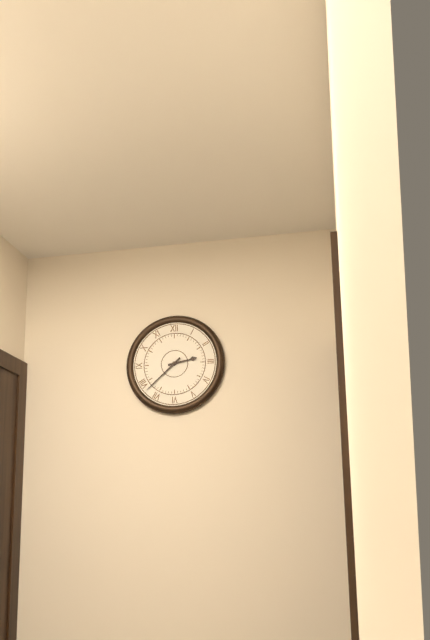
2:38
